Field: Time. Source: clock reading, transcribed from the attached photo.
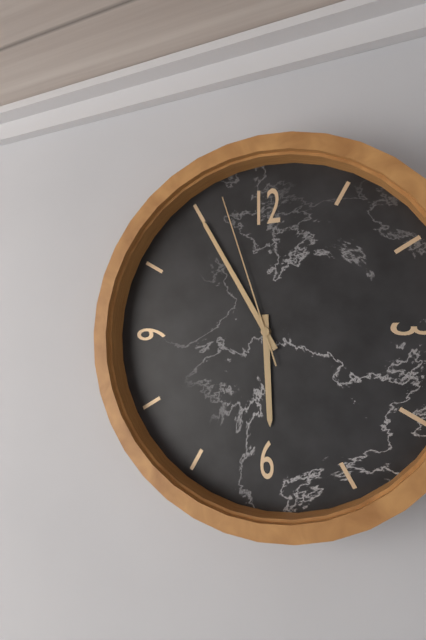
5:55:57
